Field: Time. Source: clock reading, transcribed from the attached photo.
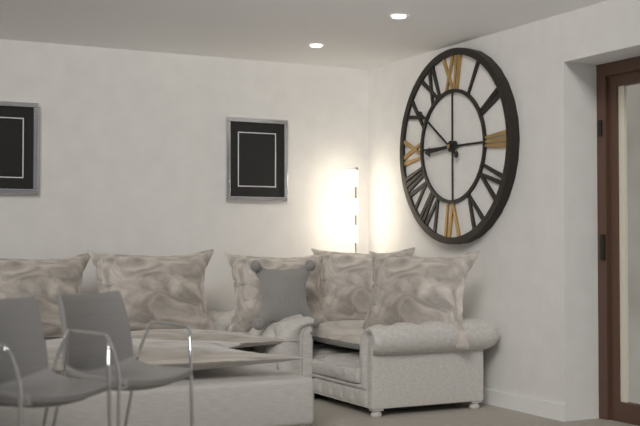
8:51
